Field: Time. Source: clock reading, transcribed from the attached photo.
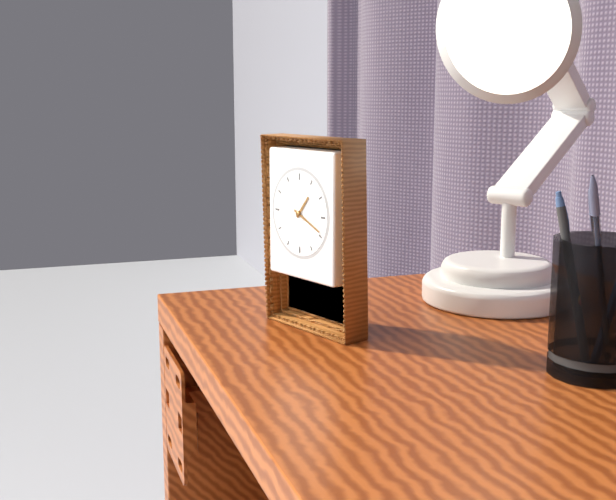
1:19
